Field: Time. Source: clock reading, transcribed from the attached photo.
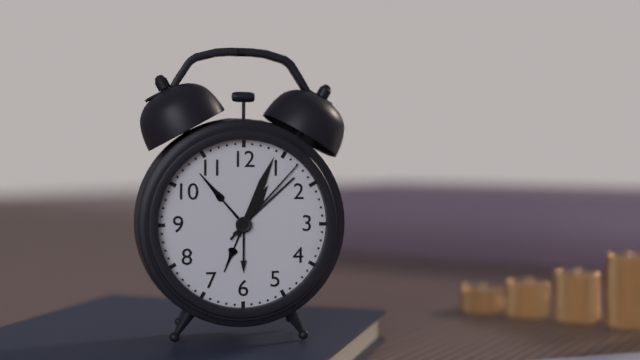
1:04:07
